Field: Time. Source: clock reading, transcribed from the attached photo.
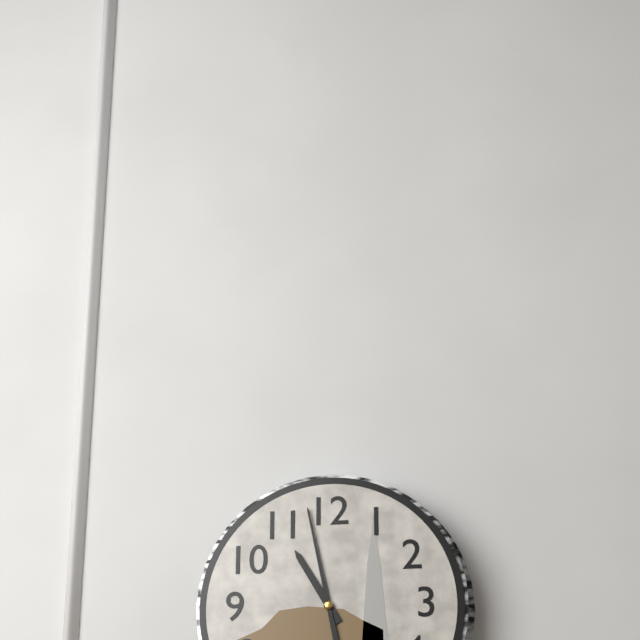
10:58
